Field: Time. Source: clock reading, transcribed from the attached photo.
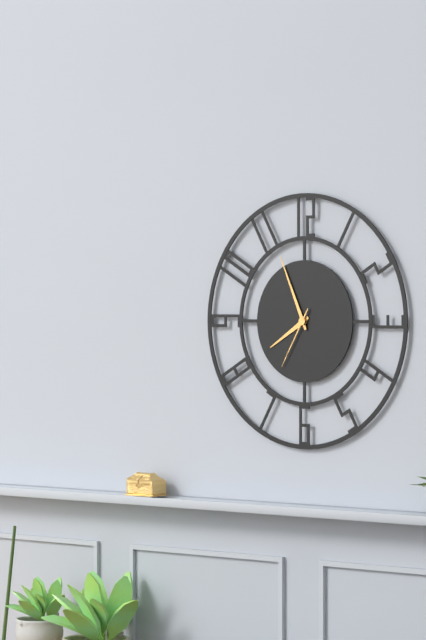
7:56:35
